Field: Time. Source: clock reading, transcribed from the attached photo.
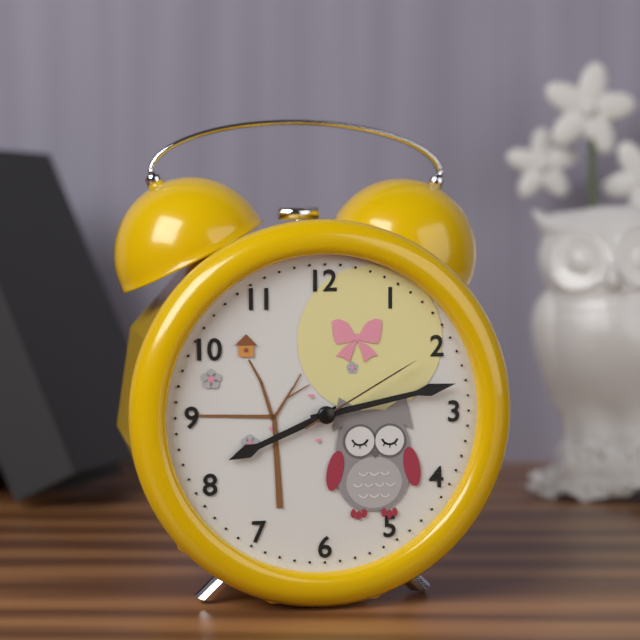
8:13:10
